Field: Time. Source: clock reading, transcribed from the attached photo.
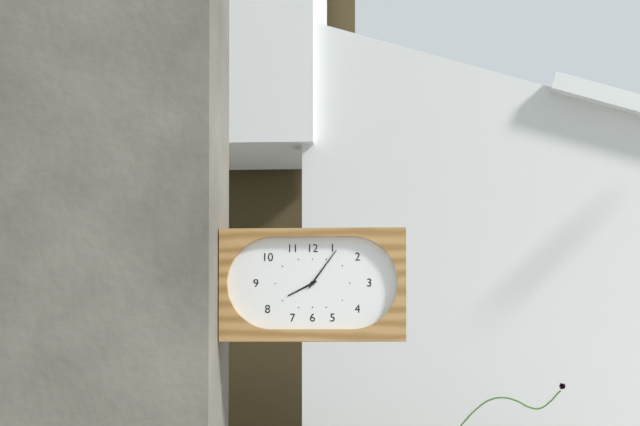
8:06
